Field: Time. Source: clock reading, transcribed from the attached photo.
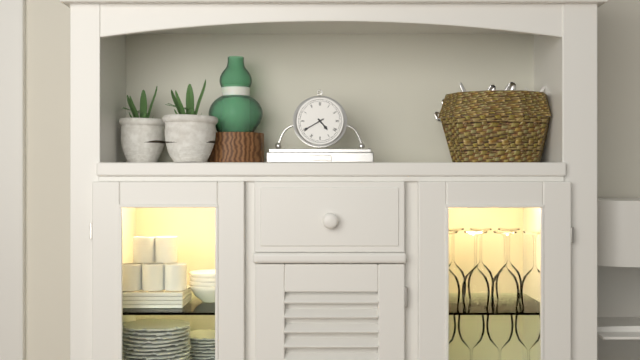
4:40
